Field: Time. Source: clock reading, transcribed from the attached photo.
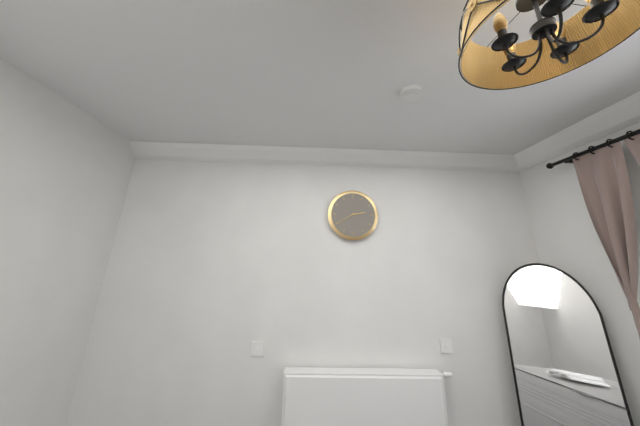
2:40
